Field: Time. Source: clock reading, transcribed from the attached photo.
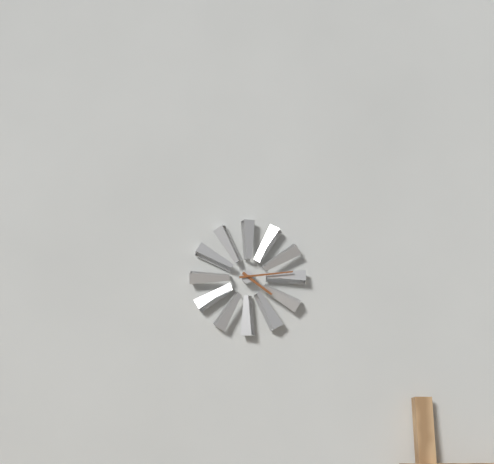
4:14
